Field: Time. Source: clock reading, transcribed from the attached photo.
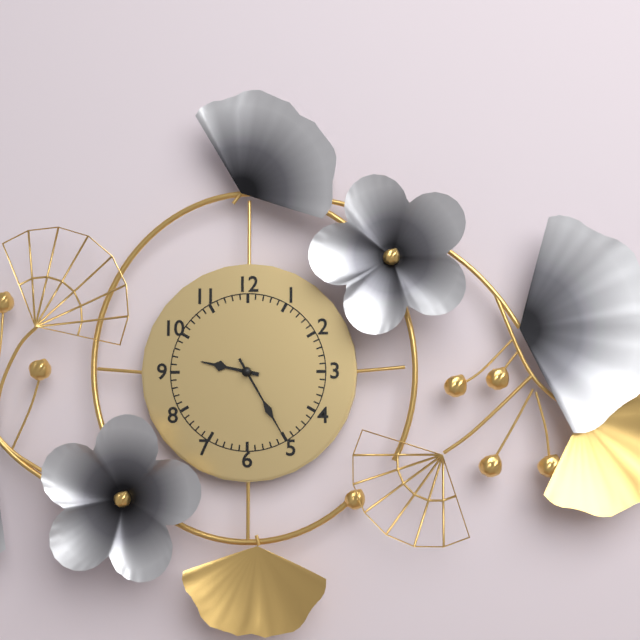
9:25
